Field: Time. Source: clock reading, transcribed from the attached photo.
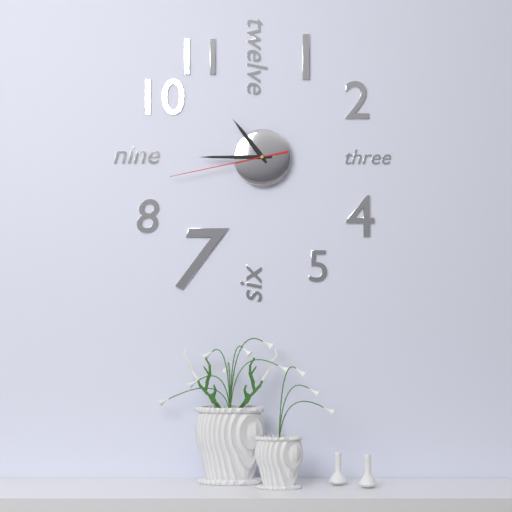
10:45:43
